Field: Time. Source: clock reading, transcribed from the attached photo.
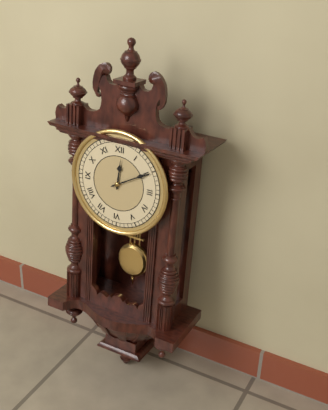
12:10
